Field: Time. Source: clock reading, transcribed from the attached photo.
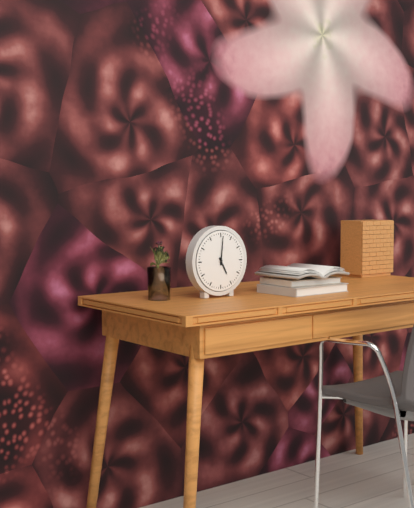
5:01
